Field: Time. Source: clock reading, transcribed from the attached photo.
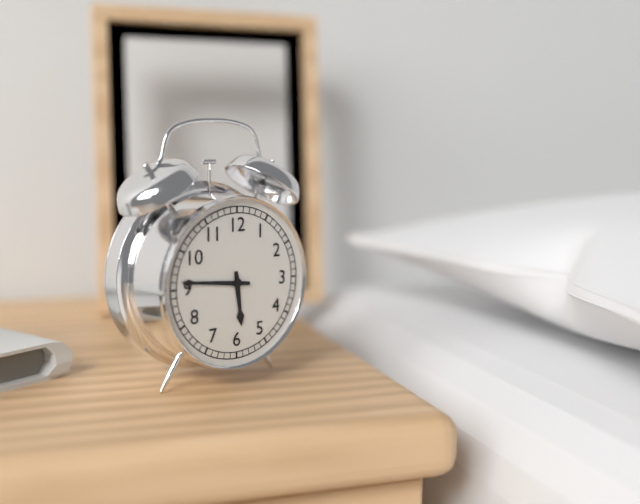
5:46
